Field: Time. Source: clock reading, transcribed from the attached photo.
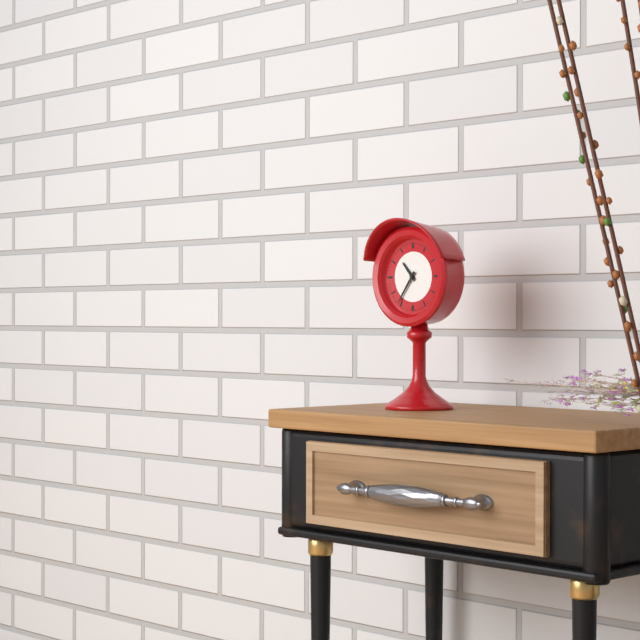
10:36
